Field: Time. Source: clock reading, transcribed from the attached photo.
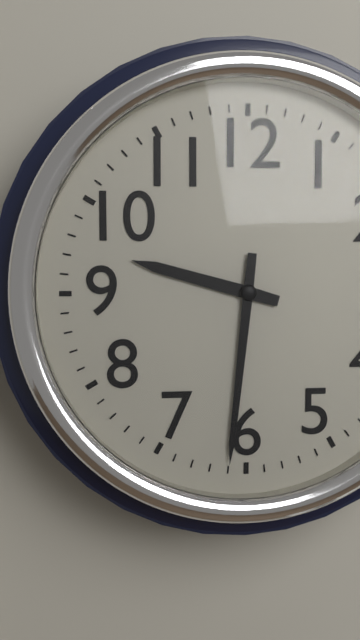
9:31
